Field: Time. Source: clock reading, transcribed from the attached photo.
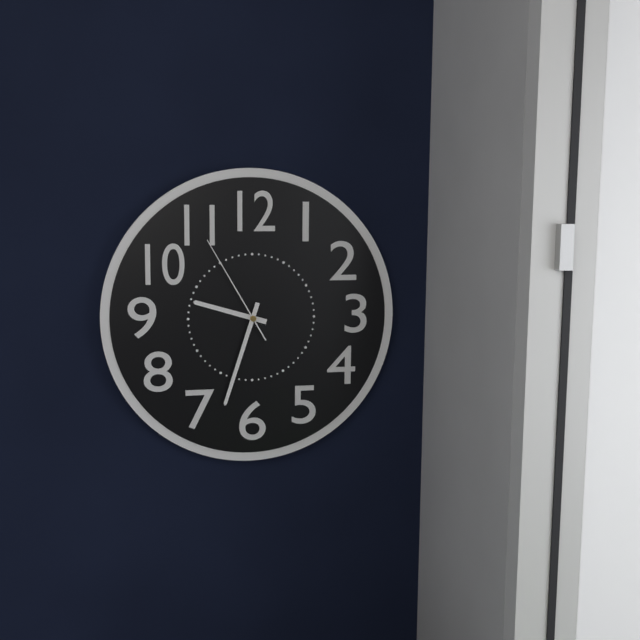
9:33:55
